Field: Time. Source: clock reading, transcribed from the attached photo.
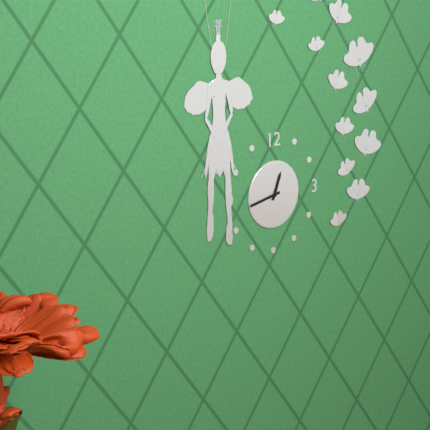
12:43
